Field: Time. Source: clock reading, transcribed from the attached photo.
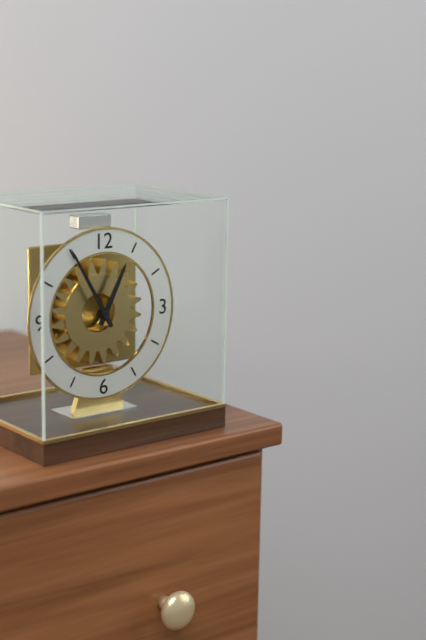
12:55
